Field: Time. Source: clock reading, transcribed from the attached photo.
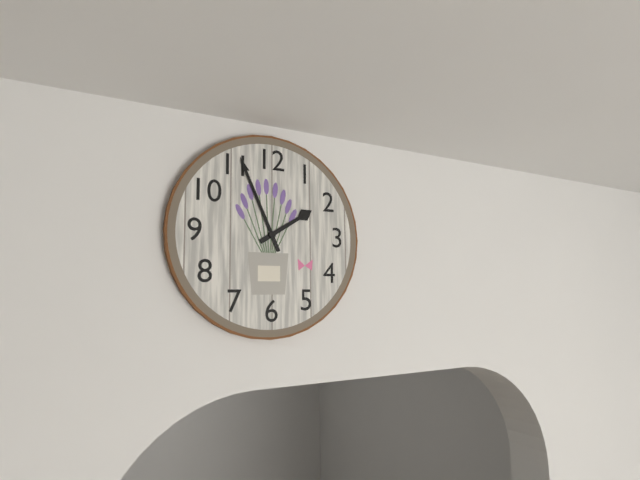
1:56
